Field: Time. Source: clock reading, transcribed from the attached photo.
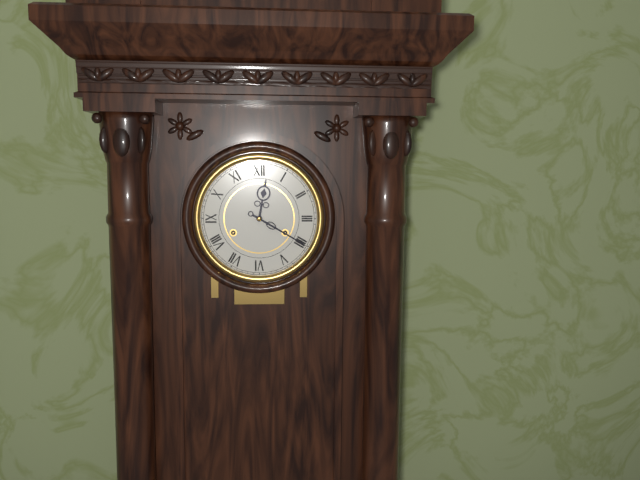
12:20
